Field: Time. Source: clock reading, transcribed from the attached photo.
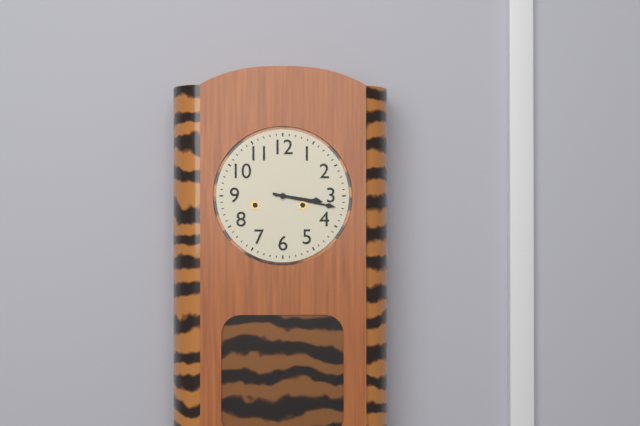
3:17
